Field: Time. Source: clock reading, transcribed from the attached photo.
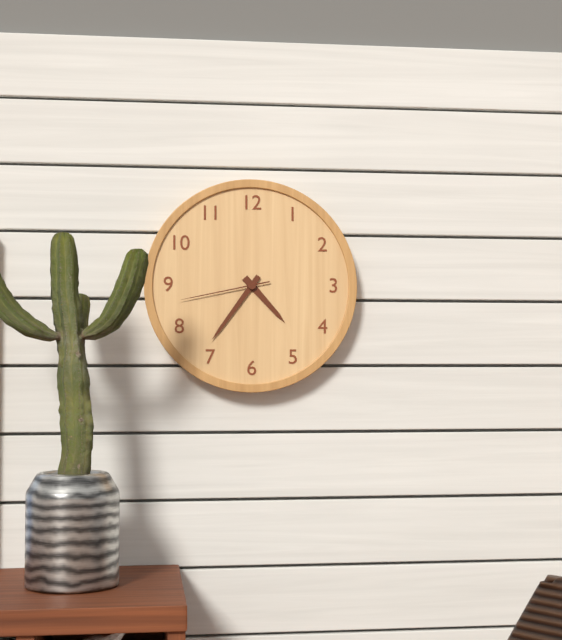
4:36:43
